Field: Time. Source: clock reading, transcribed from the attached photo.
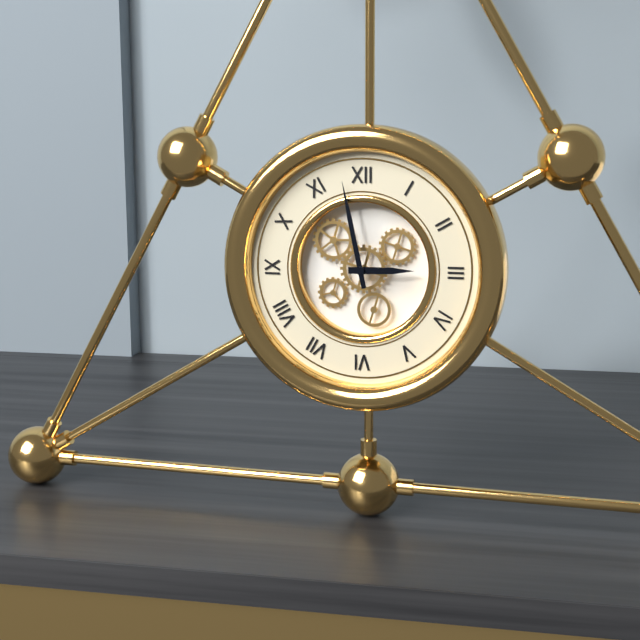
2:58
